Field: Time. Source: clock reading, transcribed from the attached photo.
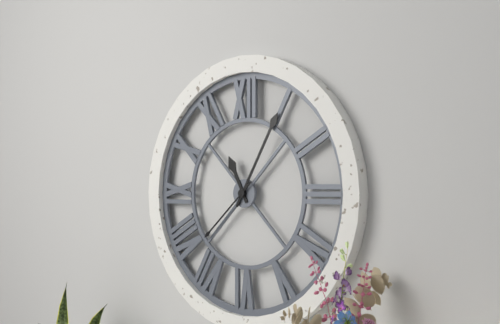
11:05:38
